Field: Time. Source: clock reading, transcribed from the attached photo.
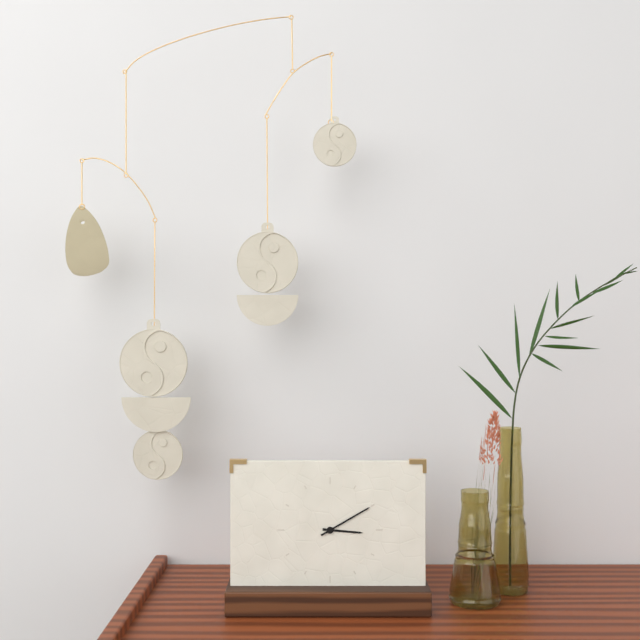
3:10
